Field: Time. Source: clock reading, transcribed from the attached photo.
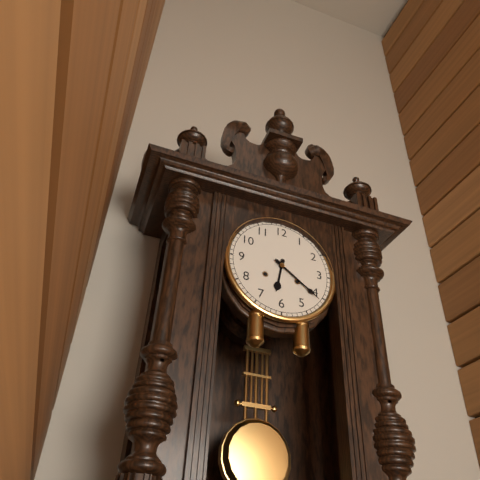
6:21
